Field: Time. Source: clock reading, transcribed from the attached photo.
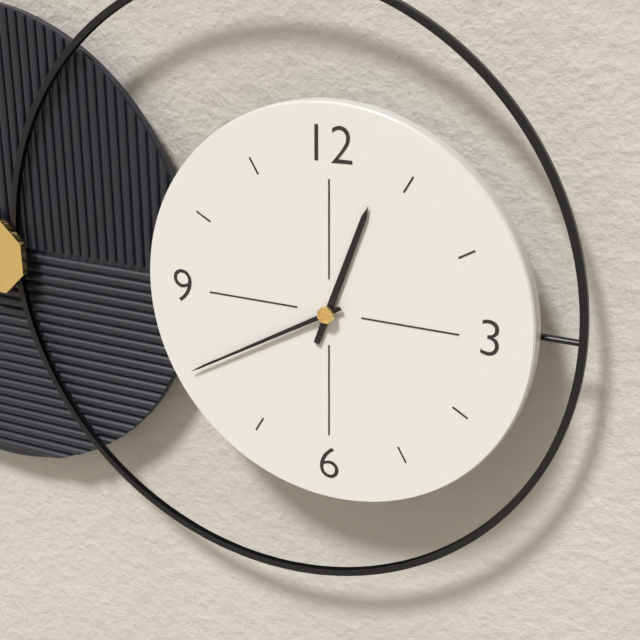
12:40
